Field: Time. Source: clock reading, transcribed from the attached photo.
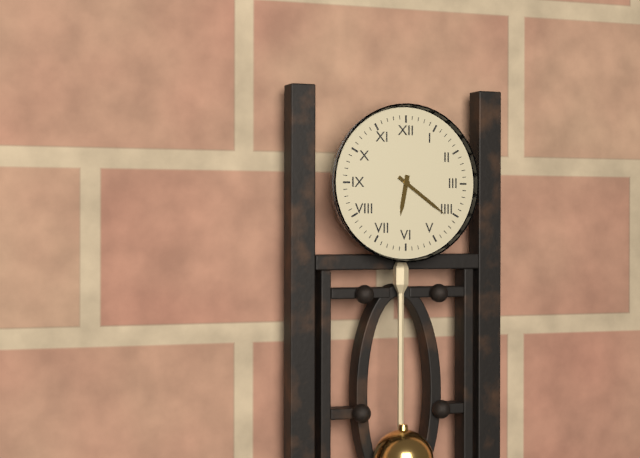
6:21
